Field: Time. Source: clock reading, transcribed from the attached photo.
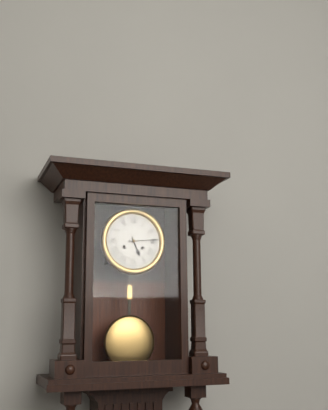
5:14
